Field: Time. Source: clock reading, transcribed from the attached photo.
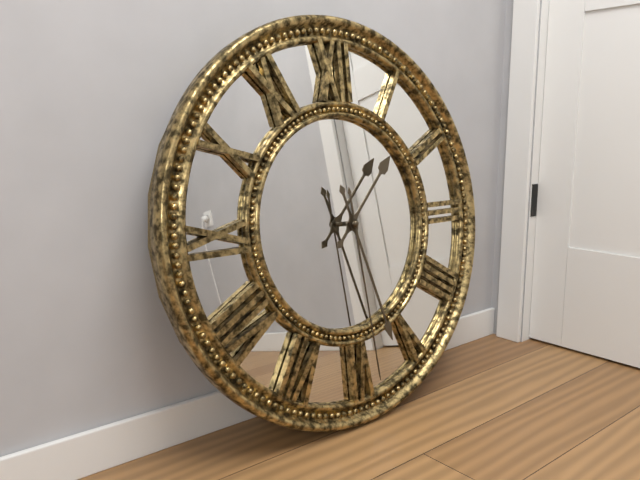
1:27:29
